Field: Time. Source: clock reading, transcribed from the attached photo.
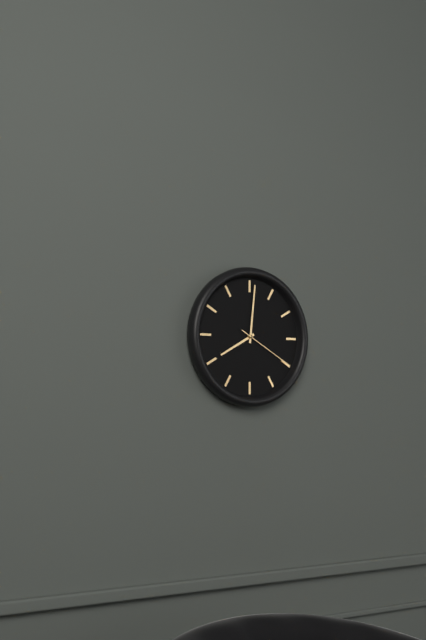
8:01:20
